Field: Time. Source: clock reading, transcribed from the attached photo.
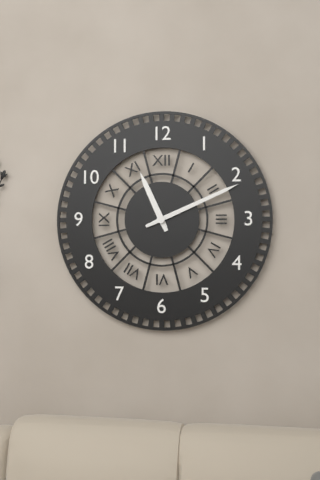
11:11
